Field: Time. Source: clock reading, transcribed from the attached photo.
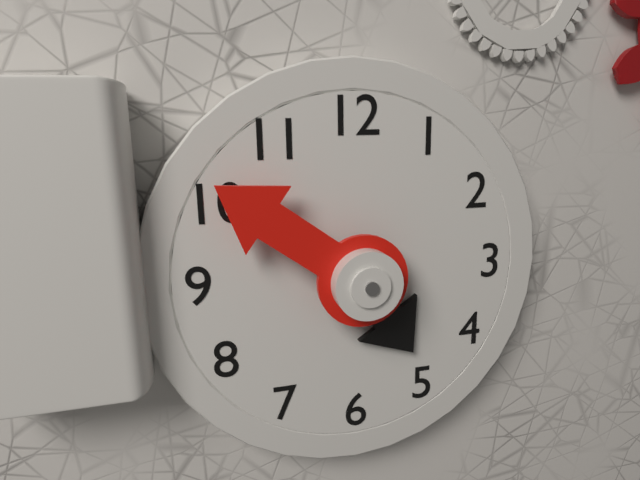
4:51
